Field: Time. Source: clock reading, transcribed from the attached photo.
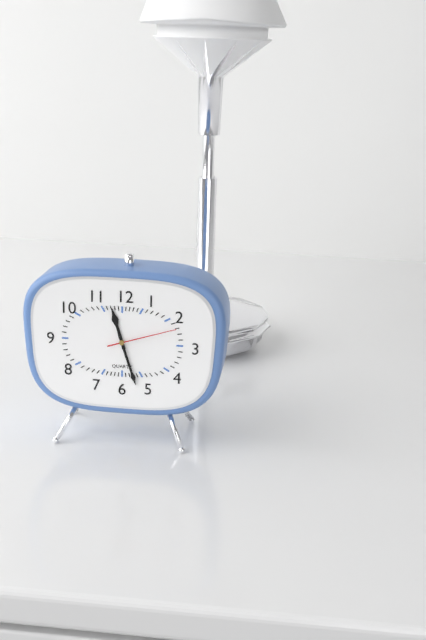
11:27:12
